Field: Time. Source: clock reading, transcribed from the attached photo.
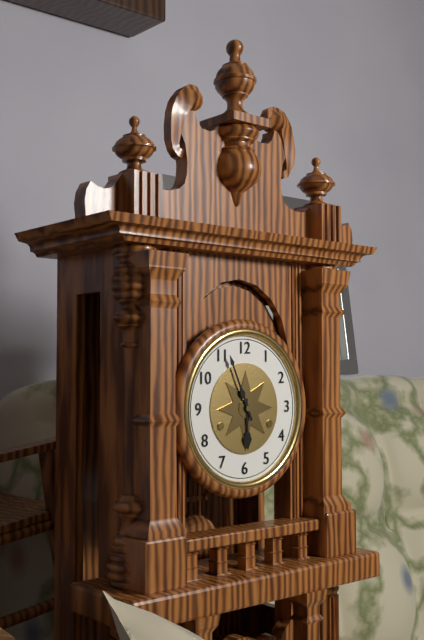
5:56
